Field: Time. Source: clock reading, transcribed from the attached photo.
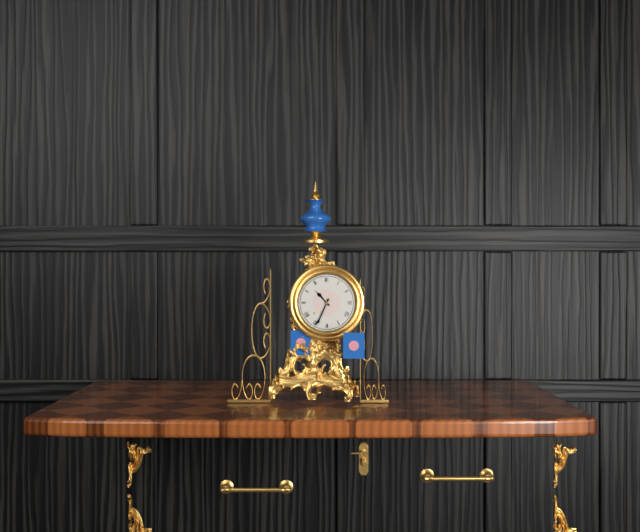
10:34
